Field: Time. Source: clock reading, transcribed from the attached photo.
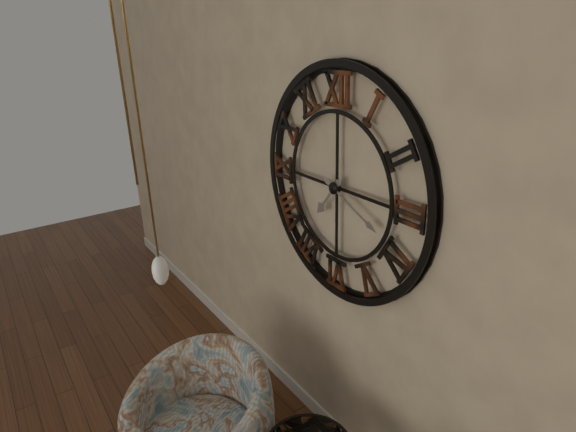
7:19
